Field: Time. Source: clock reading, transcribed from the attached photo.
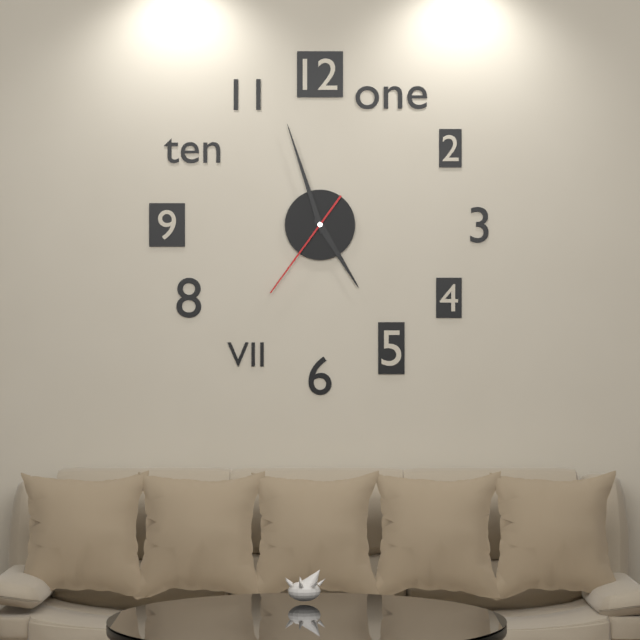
4:57:36
